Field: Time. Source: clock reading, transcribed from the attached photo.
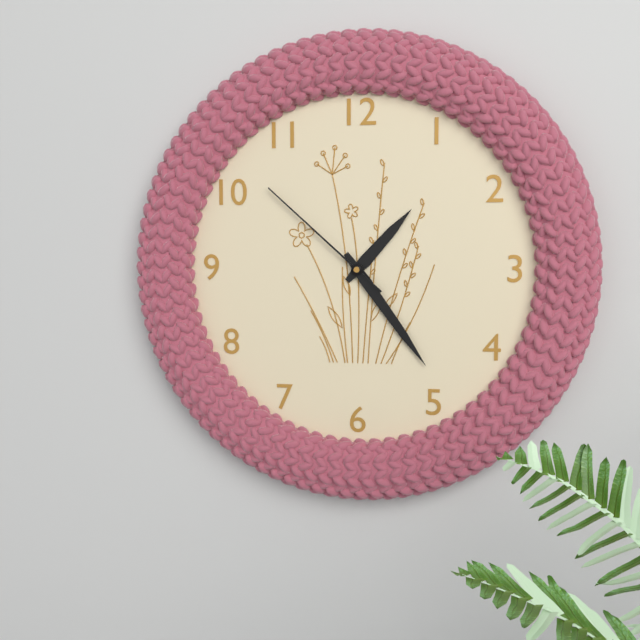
1:24:52
